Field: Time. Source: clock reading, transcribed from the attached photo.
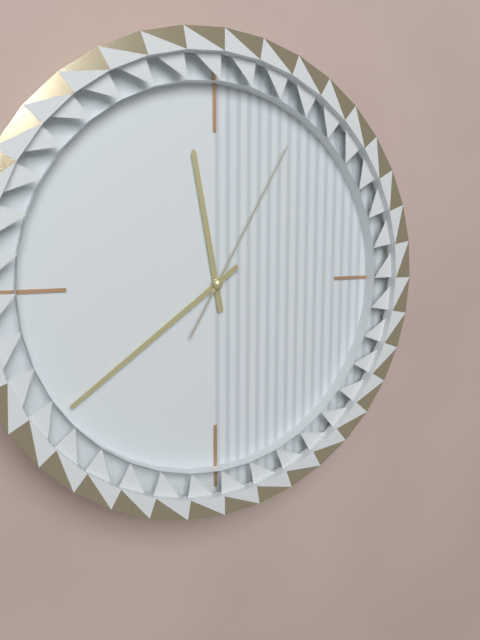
11:39:05
